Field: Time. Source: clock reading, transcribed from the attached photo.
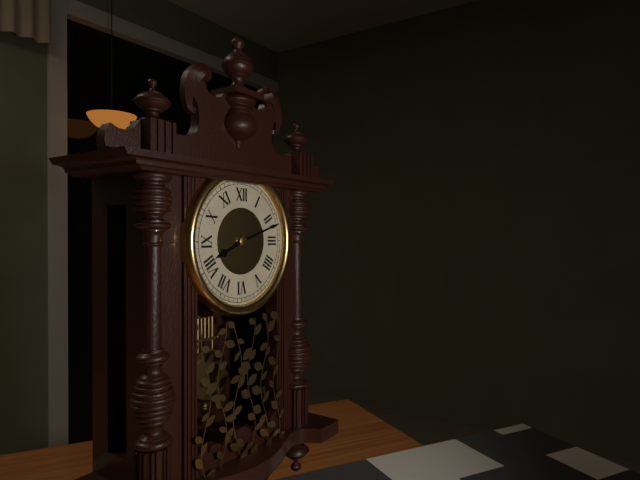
8:12
